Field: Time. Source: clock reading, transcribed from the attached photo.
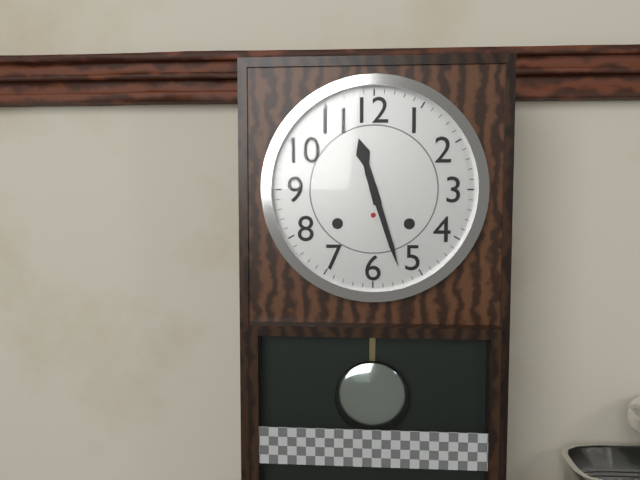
11:27
